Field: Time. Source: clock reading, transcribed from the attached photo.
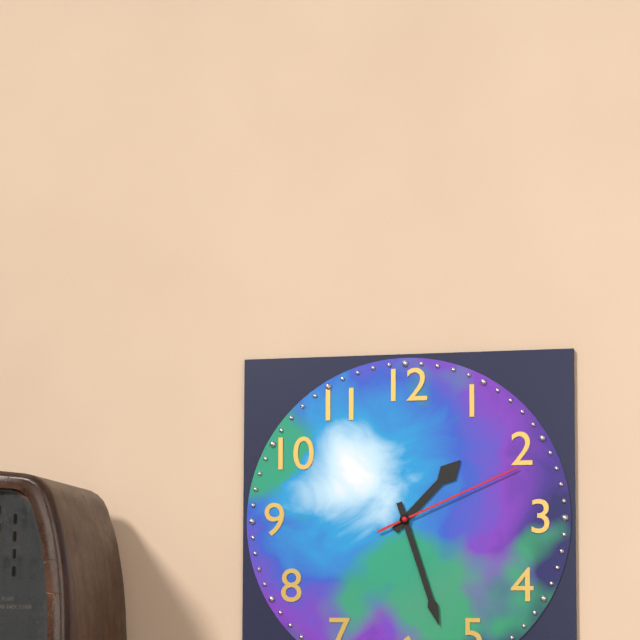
1:27:11
